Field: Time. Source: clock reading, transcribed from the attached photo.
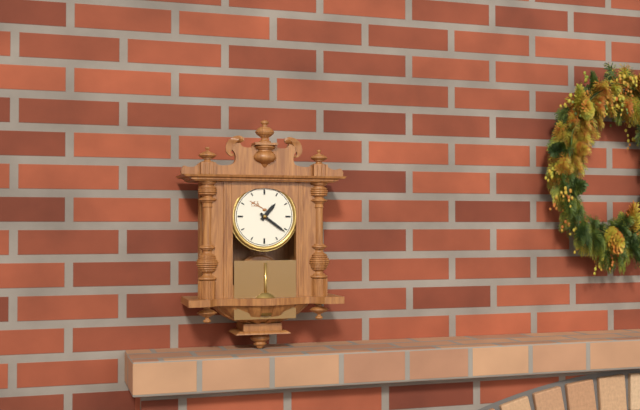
1:21
